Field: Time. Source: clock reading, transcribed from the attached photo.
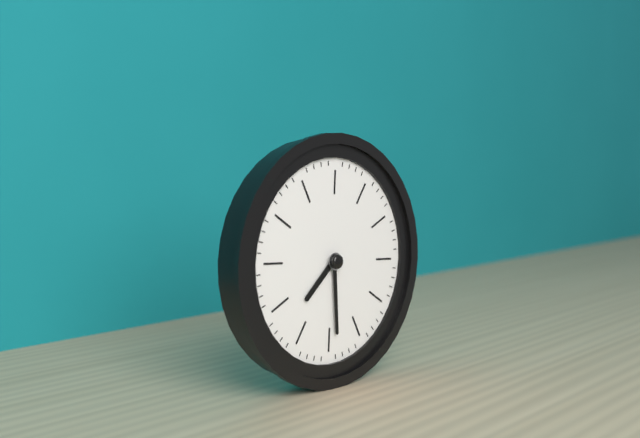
7:29
